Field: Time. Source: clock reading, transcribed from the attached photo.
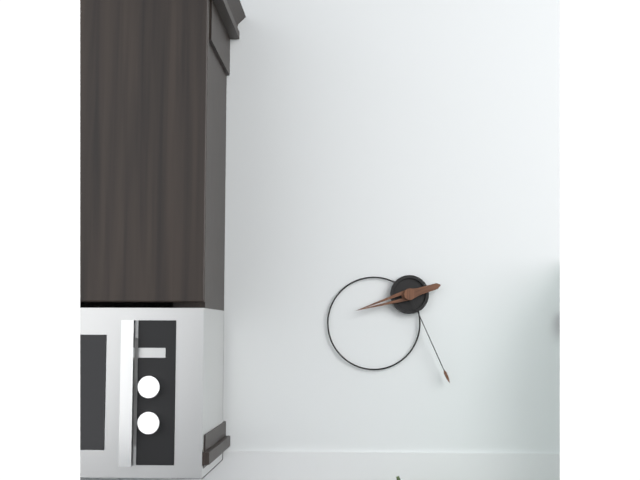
8:26
